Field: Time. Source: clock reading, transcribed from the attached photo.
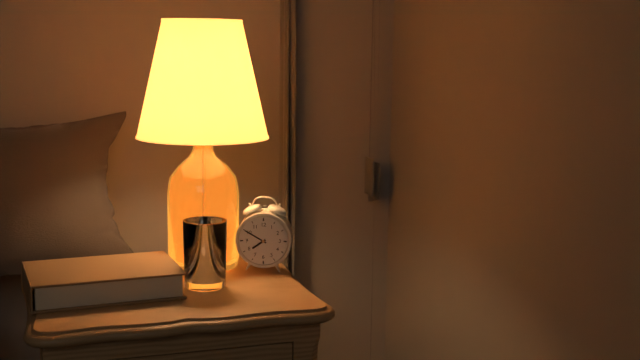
7:50
